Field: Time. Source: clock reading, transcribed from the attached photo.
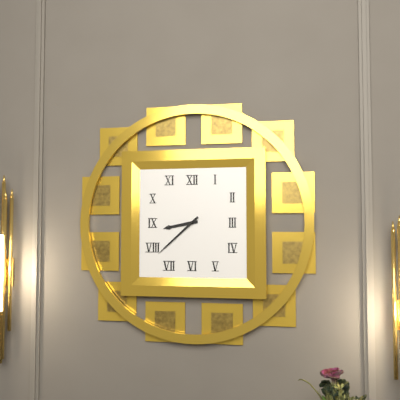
8:38
